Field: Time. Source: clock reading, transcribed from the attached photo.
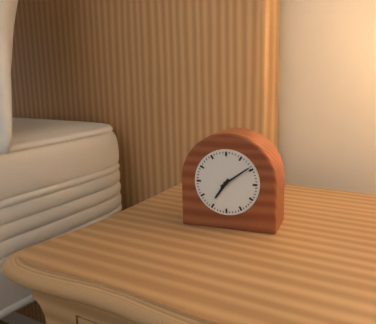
7:09
